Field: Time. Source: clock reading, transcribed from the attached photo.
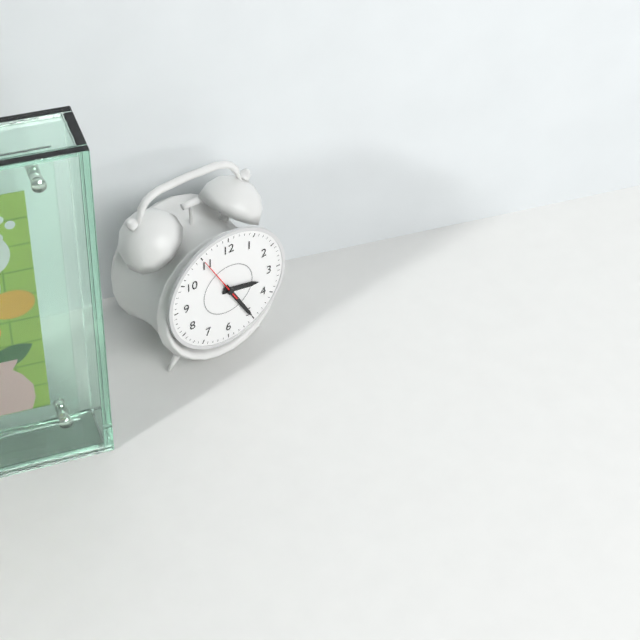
3:25
